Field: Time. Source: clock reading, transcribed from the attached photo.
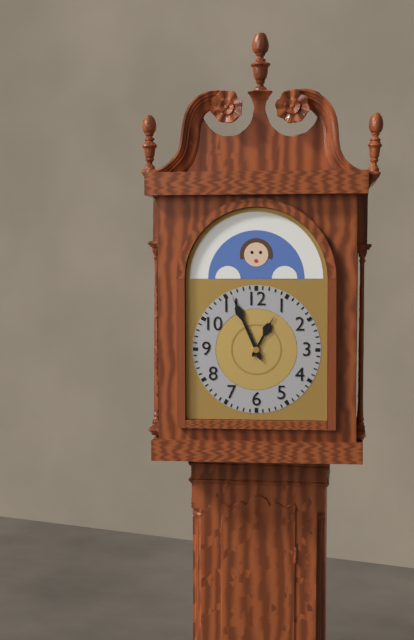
12:56
